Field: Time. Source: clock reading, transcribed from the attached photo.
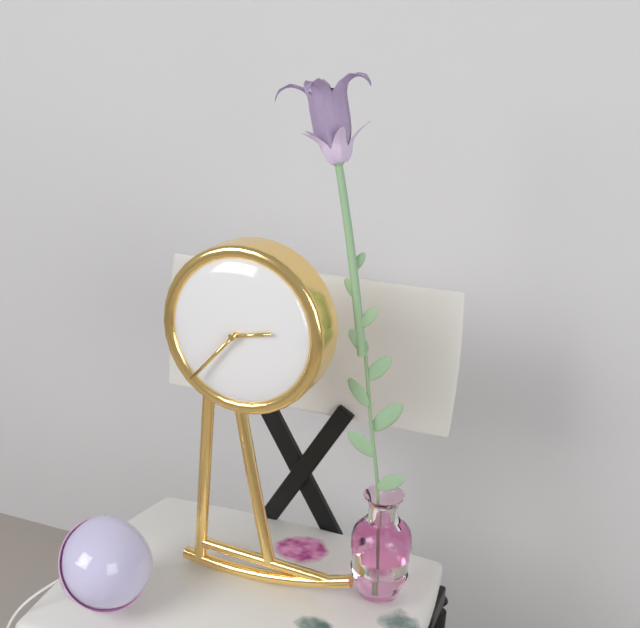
2:37
